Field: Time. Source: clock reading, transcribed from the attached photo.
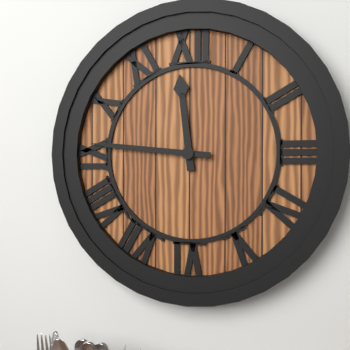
11:46
